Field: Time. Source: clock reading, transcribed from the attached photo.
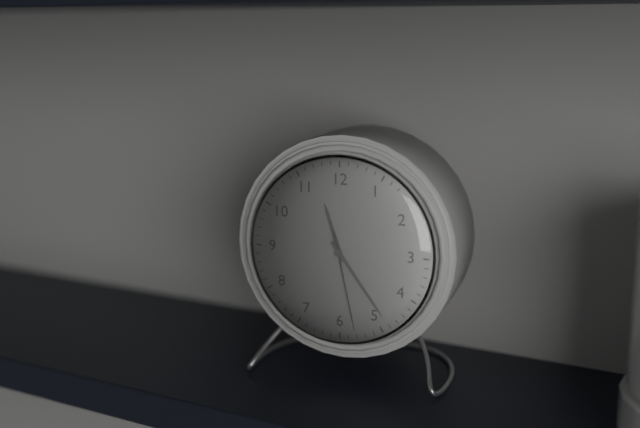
11:24:28
